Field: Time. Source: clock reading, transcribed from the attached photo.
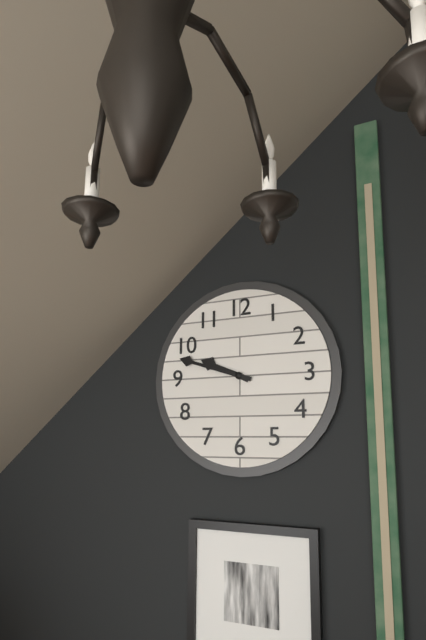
9:48
